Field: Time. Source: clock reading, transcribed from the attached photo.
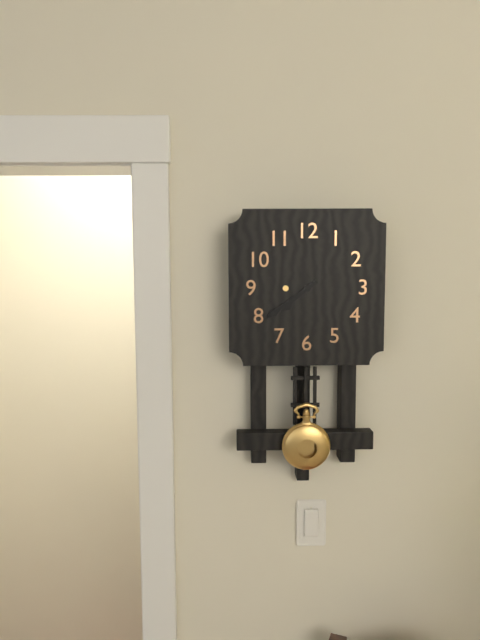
7:39
